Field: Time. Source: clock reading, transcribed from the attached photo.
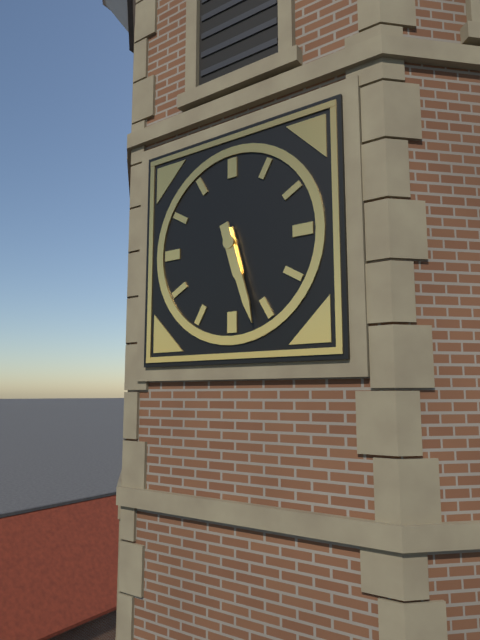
5:27
